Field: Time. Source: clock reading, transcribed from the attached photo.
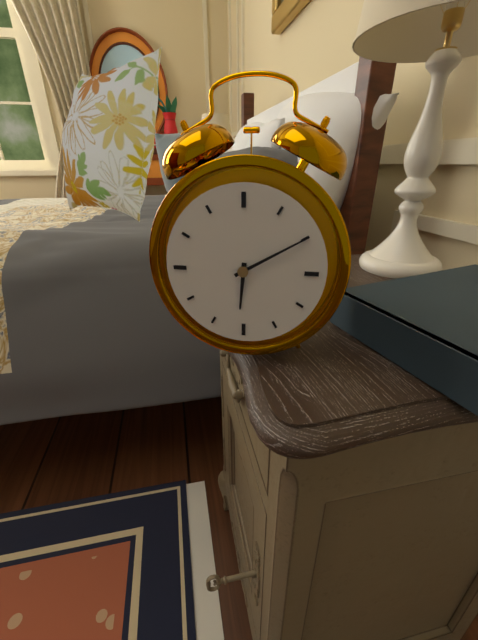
6:10
